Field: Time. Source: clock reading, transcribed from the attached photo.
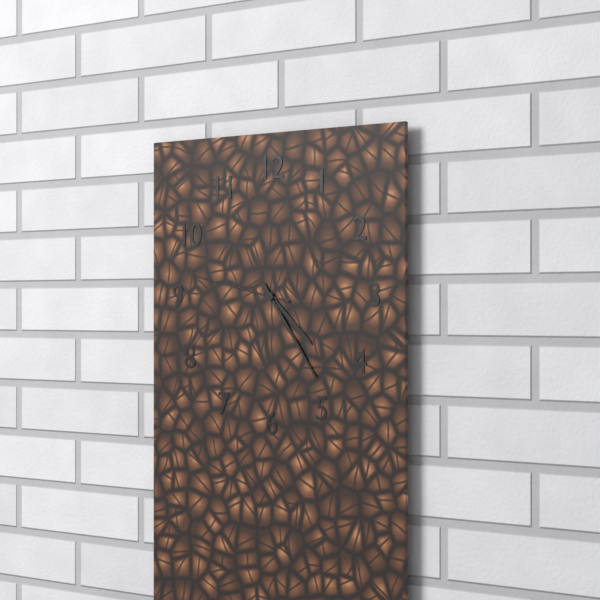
4:24:47
